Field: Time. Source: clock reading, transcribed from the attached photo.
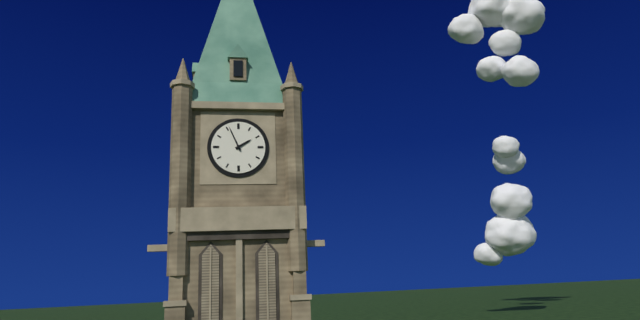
1:56
